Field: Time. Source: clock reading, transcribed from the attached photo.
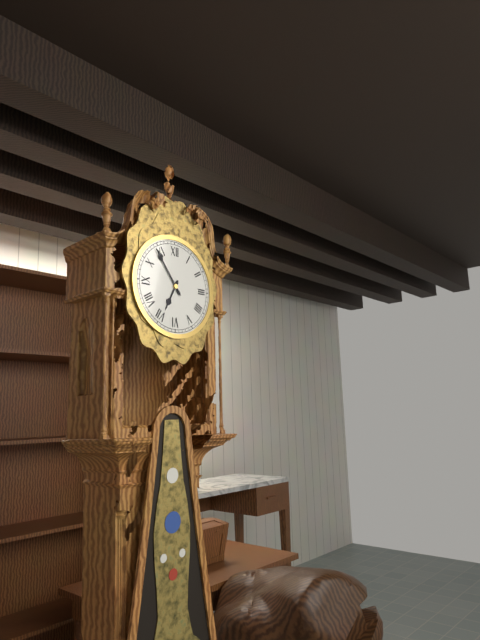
6:54
